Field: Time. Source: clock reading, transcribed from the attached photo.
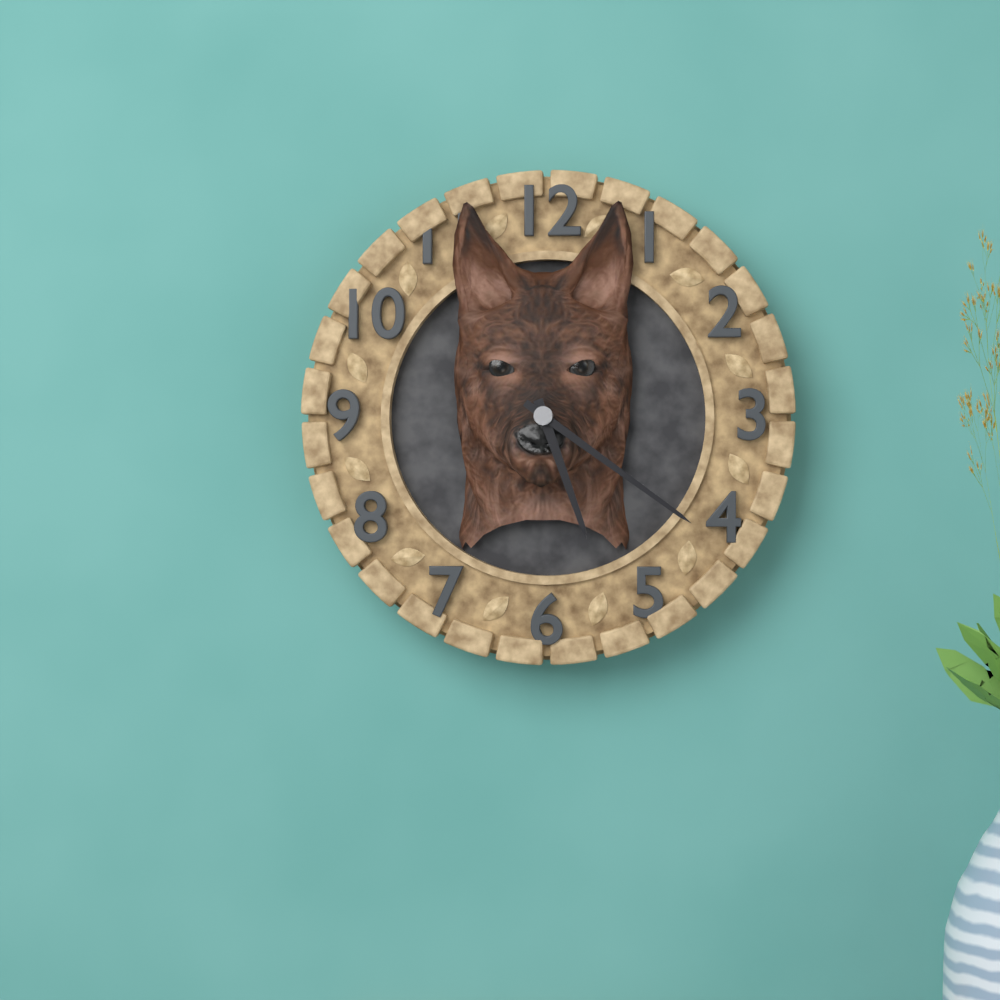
5:21
